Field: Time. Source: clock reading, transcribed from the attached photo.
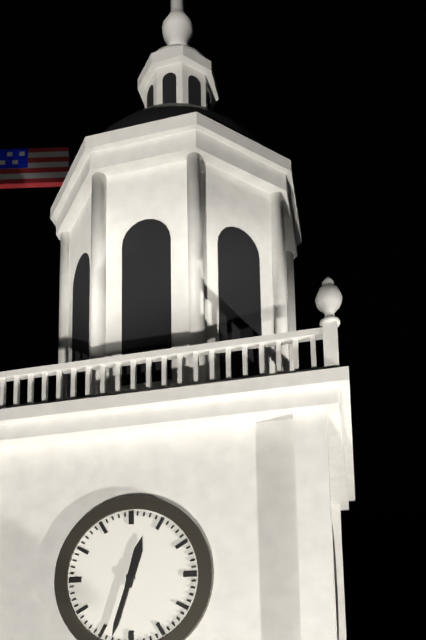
12:33
